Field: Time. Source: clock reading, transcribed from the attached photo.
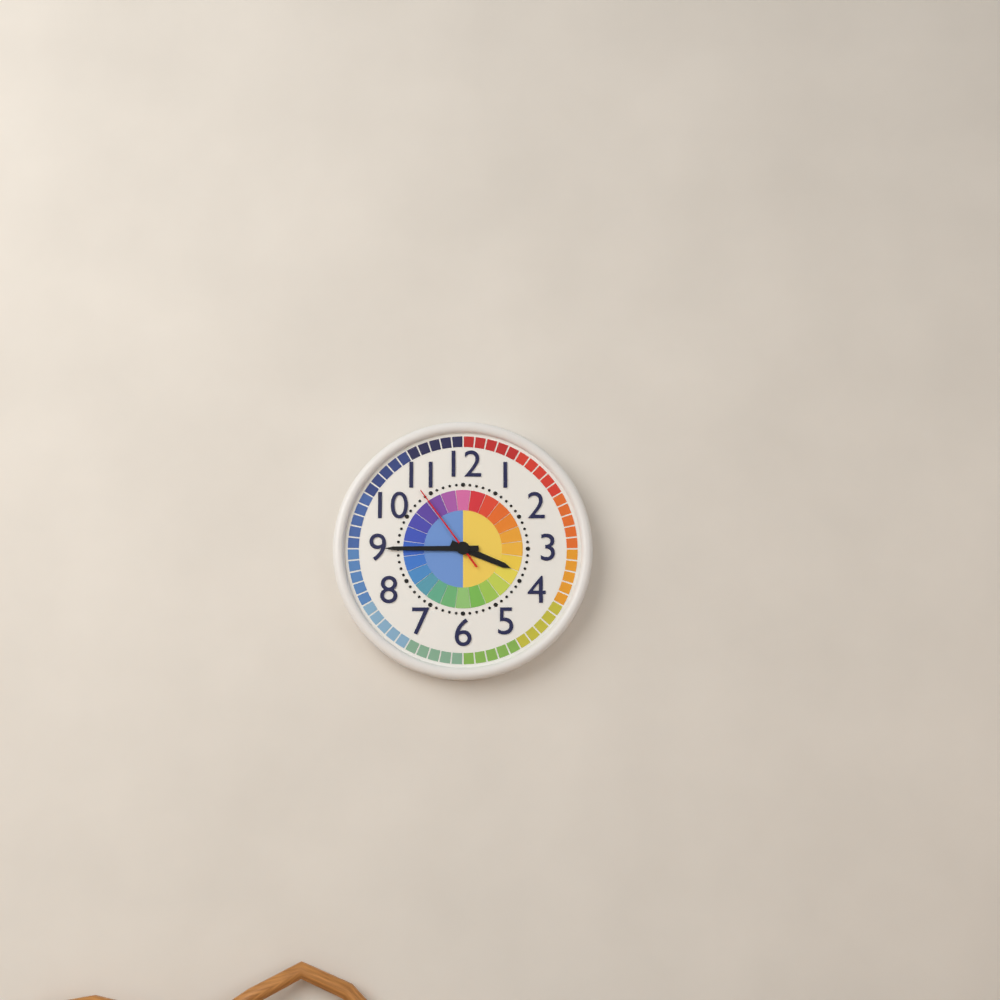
3:45:54
